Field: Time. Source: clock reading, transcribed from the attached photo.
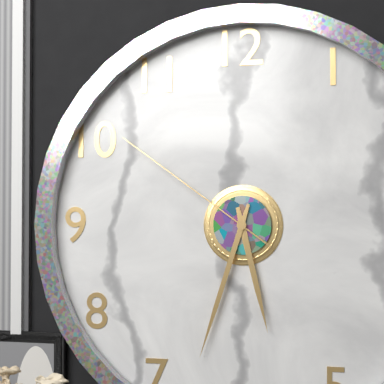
5:33:51
